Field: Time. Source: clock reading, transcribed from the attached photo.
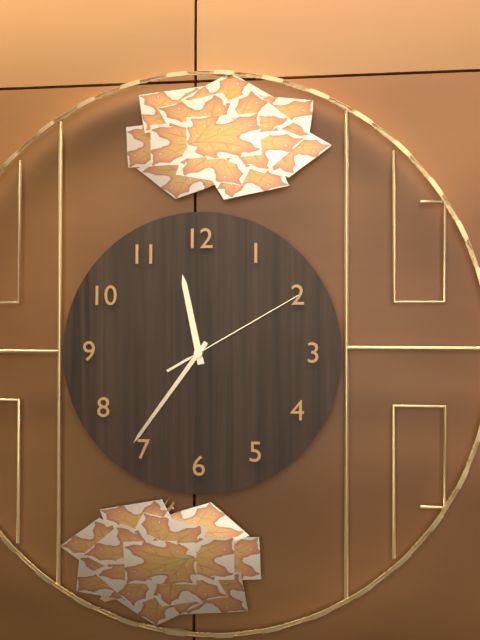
11:36:10
